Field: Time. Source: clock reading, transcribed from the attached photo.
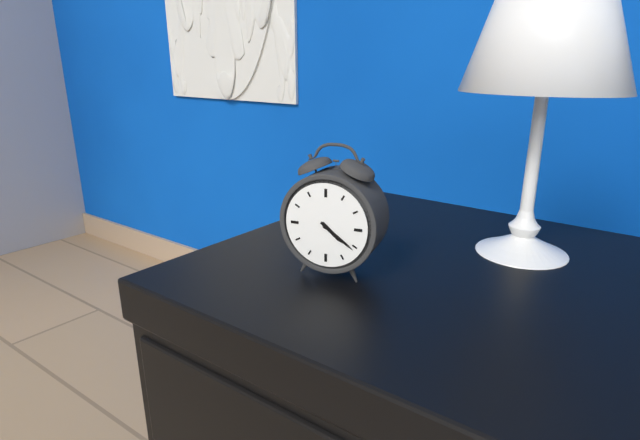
4:21
